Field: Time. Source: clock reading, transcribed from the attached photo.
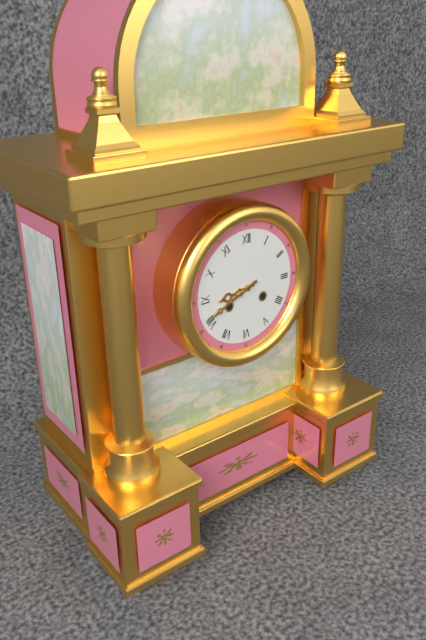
8:41
